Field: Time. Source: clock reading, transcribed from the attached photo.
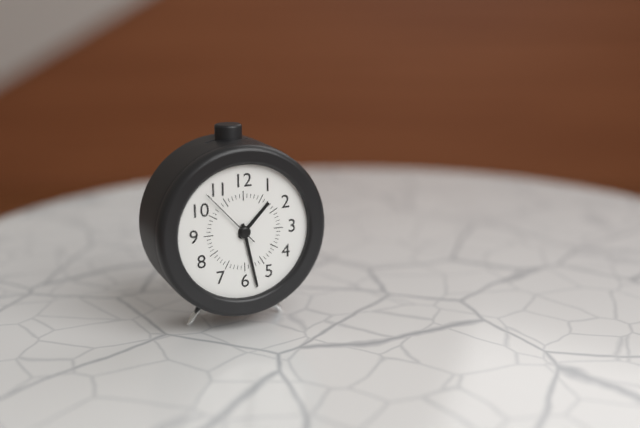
1:28:53
